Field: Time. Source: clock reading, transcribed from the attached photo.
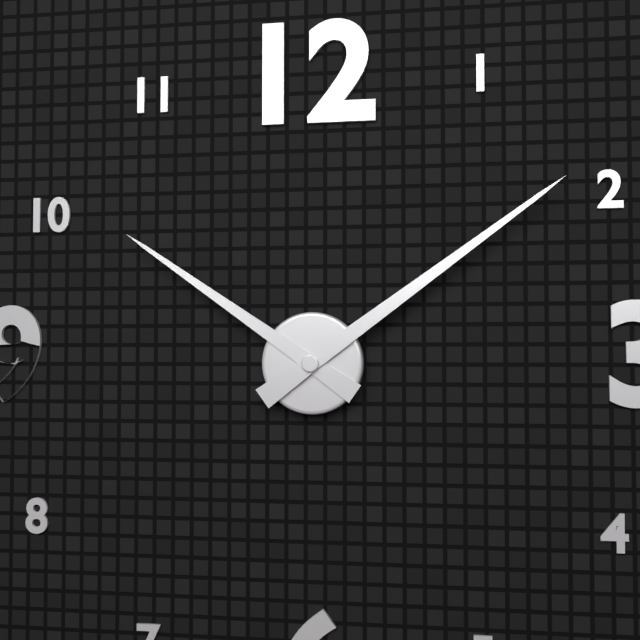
10:09
